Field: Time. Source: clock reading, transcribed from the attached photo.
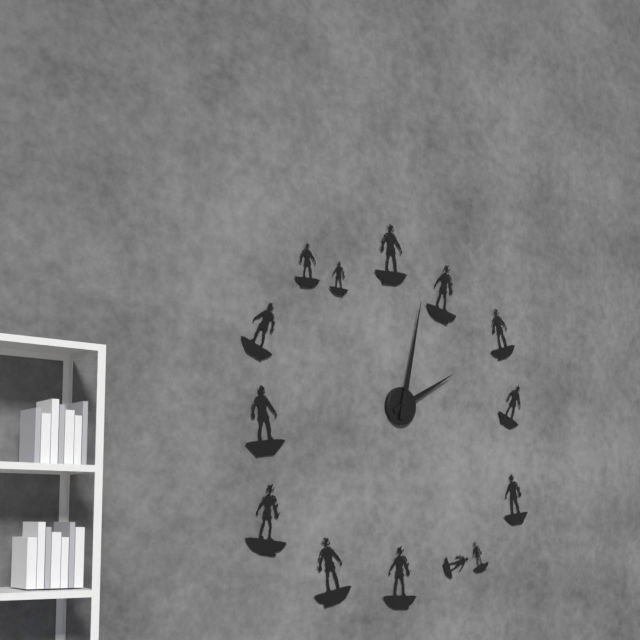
2:02
